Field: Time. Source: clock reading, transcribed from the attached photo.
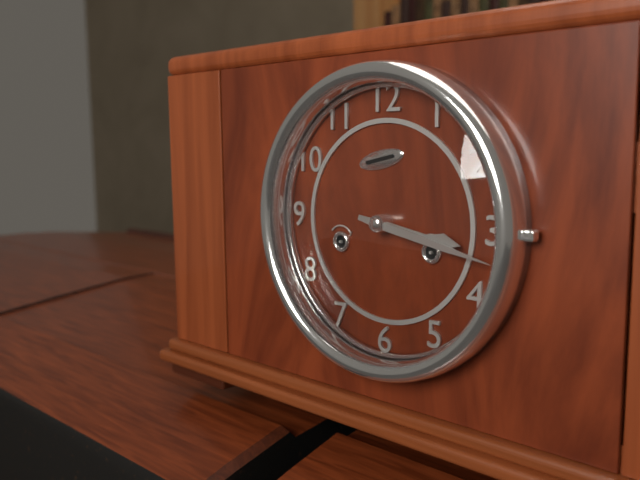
3:17
